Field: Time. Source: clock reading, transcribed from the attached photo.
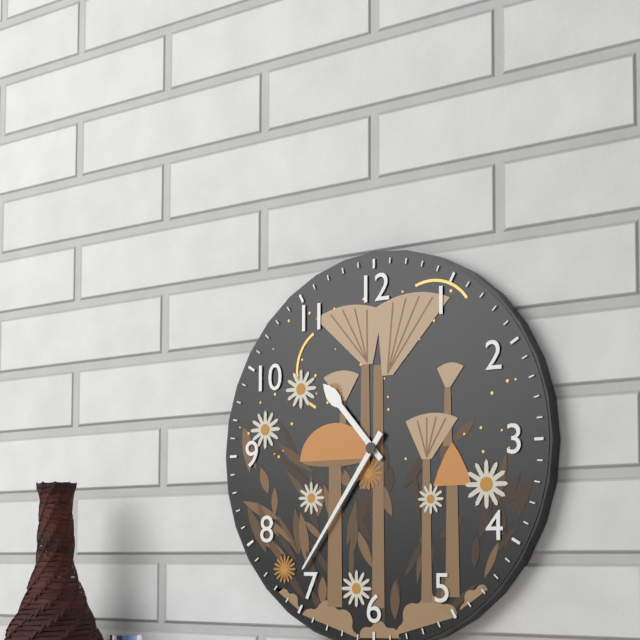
10:36
